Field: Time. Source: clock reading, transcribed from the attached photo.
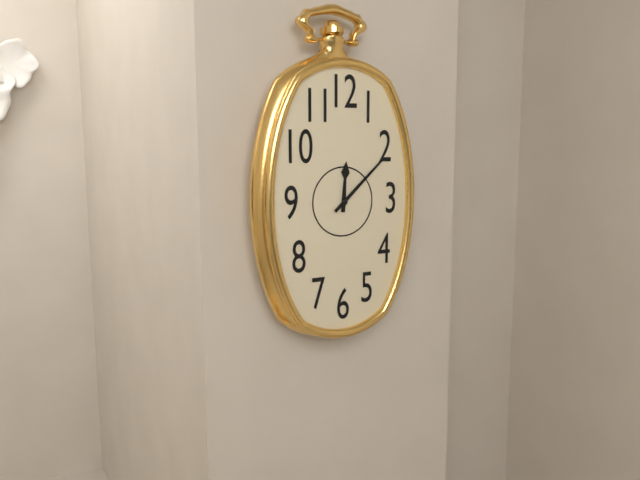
12:08
